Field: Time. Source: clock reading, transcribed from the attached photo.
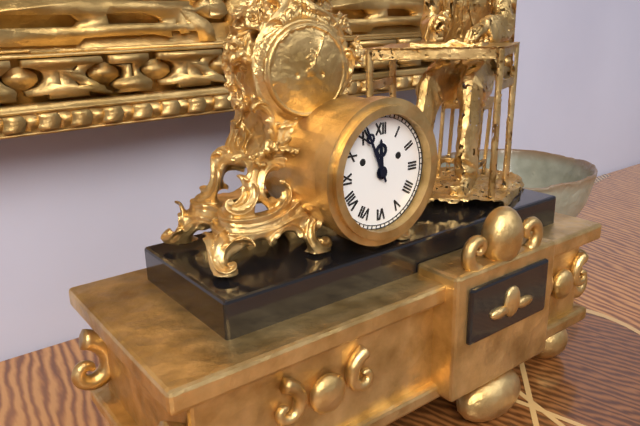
11:56
